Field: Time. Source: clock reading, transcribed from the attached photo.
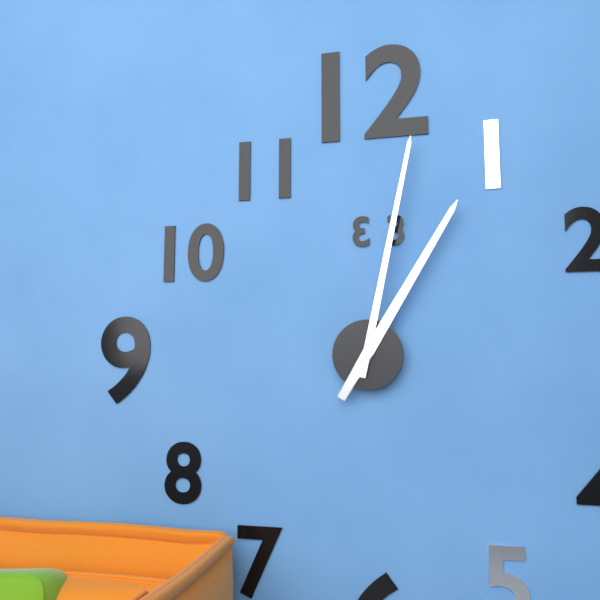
1:02
